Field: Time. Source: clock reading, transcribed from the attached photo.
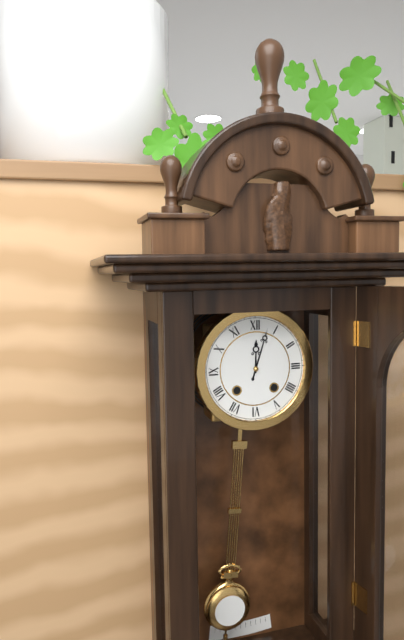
12:03
